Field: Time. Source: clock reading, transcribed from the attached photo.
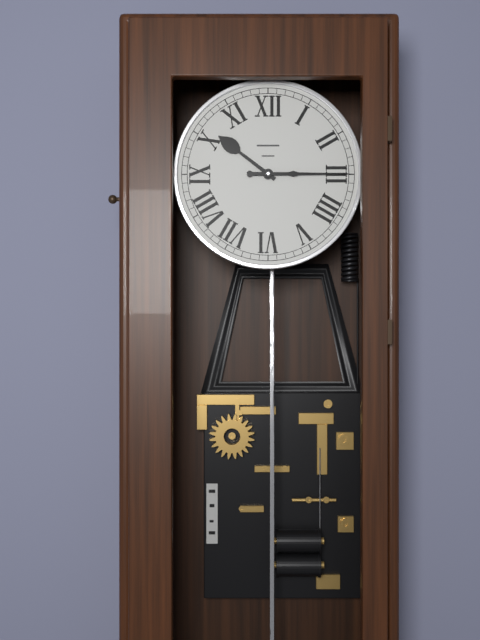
10:15
